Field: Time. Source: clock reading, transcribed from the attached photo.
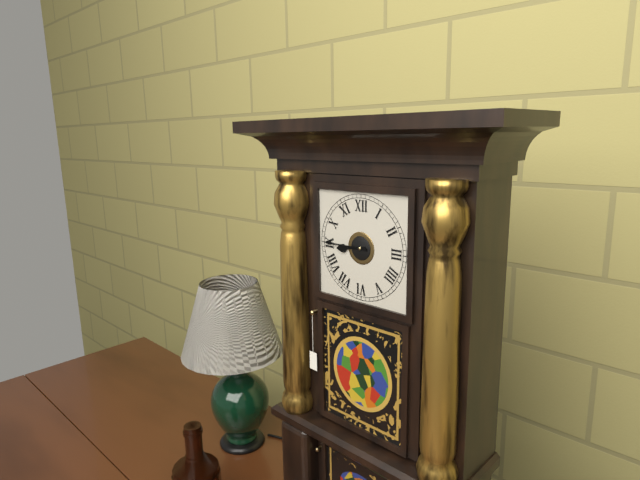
8:45
